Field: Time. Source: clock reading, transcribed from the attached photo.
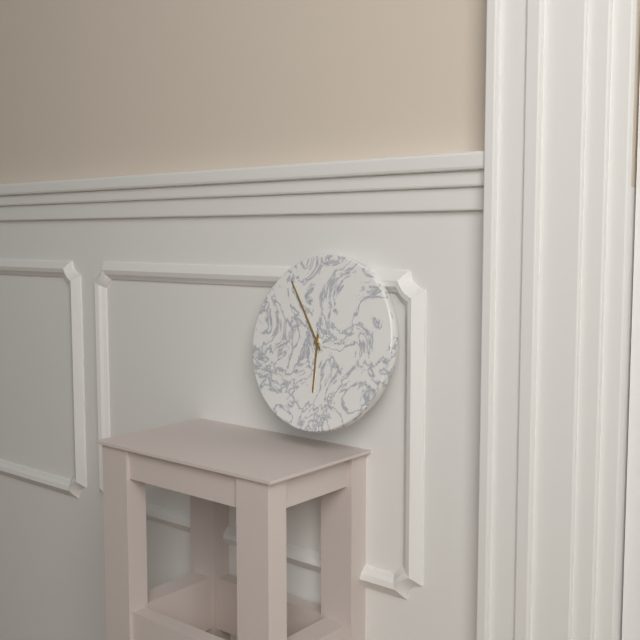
5:54
